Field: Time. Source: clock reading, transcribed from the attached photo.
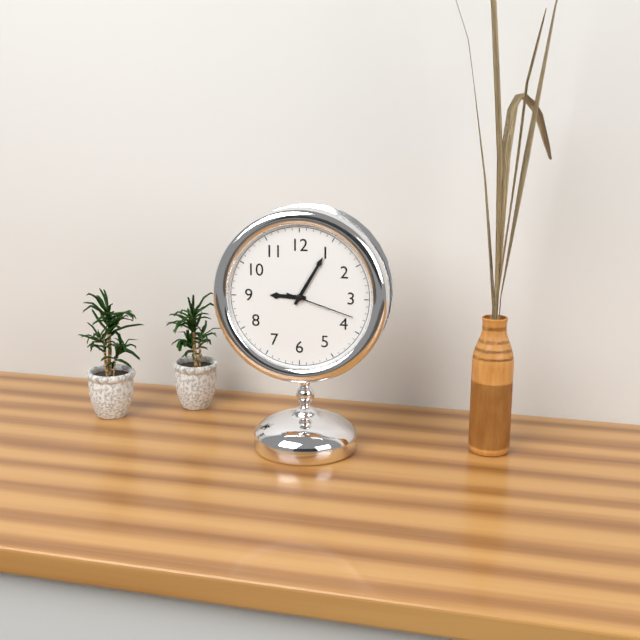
9:05:18
